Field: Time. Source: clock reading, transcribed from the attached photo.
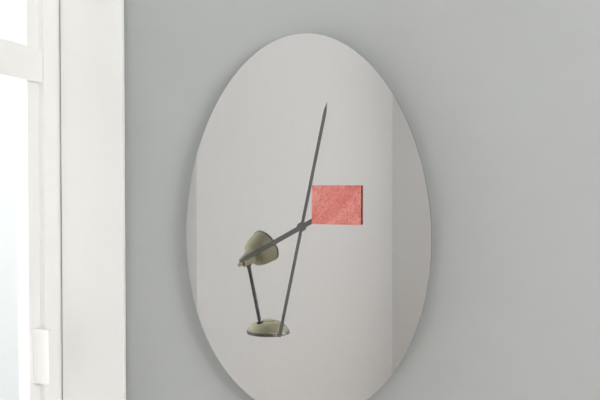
8:02
